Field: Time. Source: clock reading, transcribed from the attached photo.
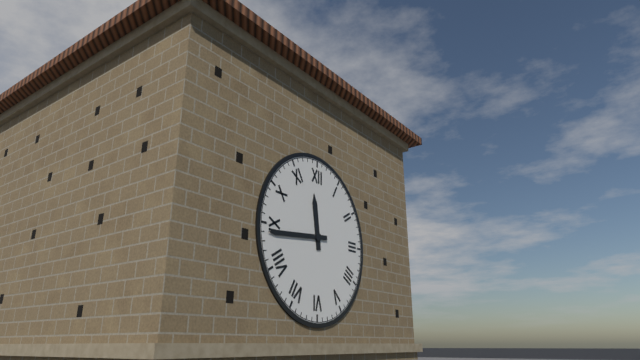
11:44
